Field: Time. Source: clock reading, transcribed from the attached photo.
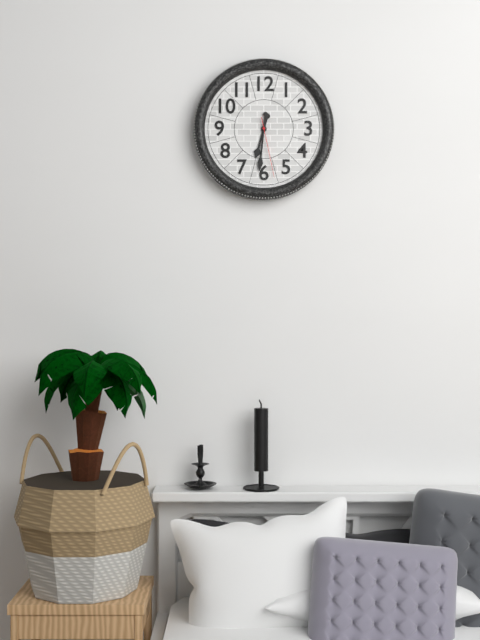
6:31:28
